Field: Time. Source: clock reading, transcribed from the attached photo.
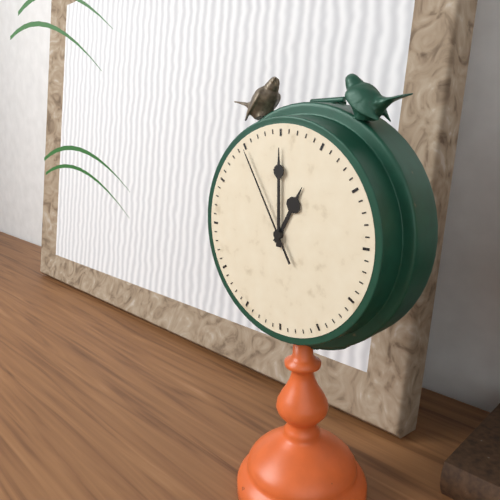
1:00:55
